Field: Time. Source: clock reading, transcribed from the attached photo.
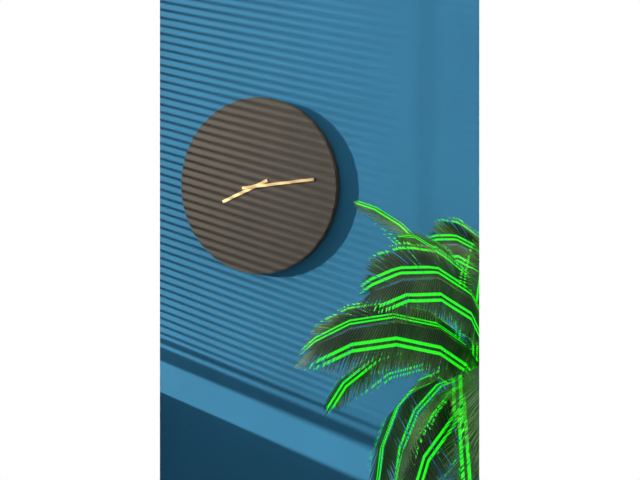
8:14
